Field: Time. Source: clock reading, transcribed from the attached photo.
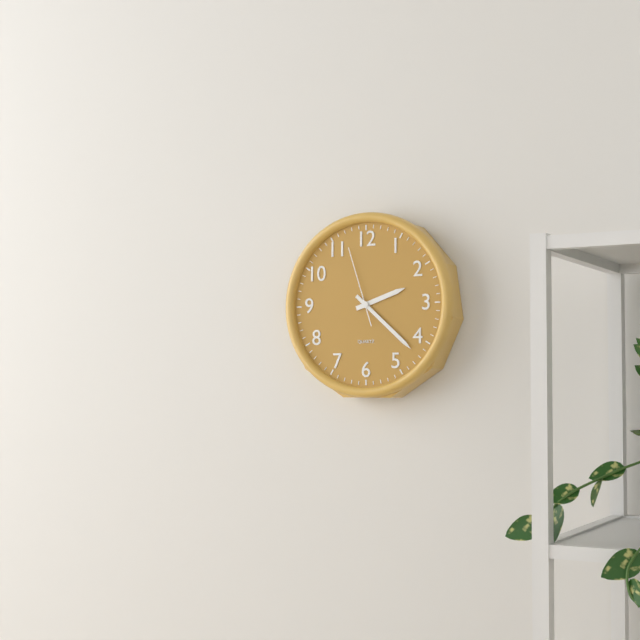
2:22:57
